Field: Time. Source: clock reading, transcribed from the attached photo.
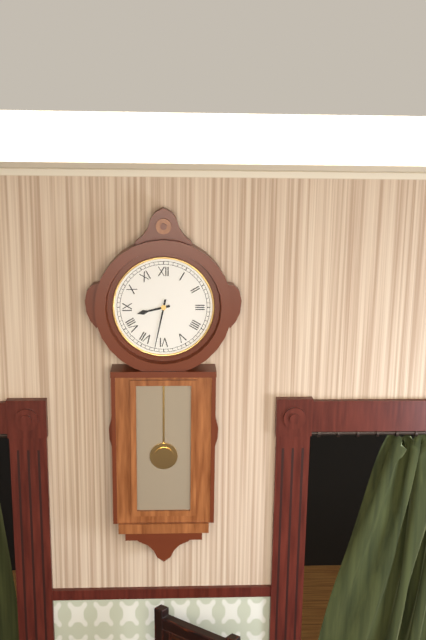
8:32
